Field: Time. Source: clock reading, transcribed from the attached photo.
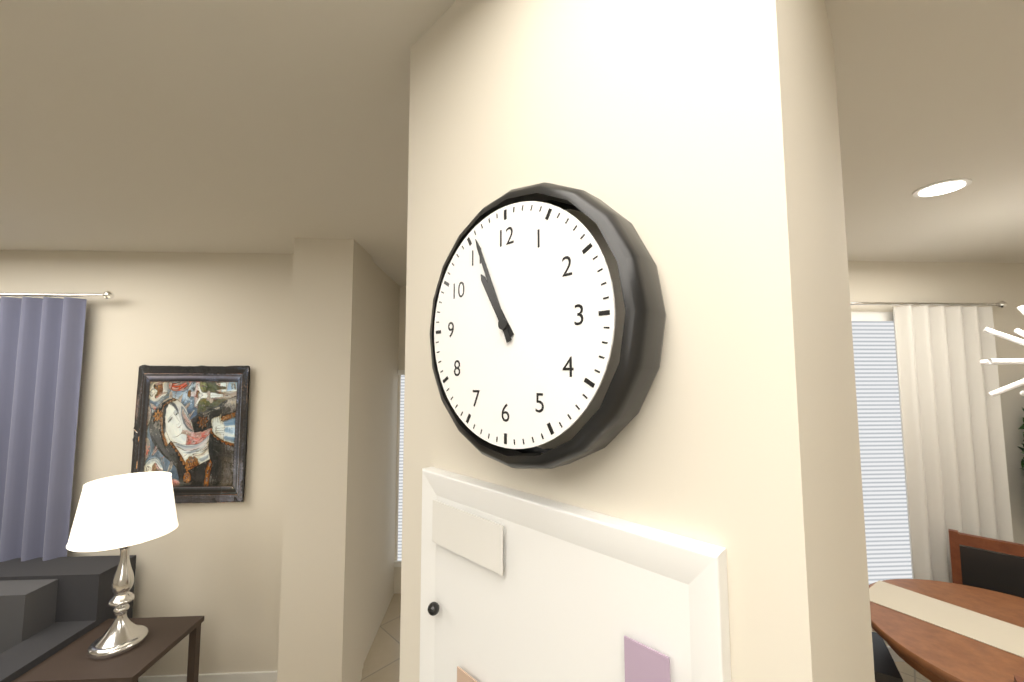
10:56
